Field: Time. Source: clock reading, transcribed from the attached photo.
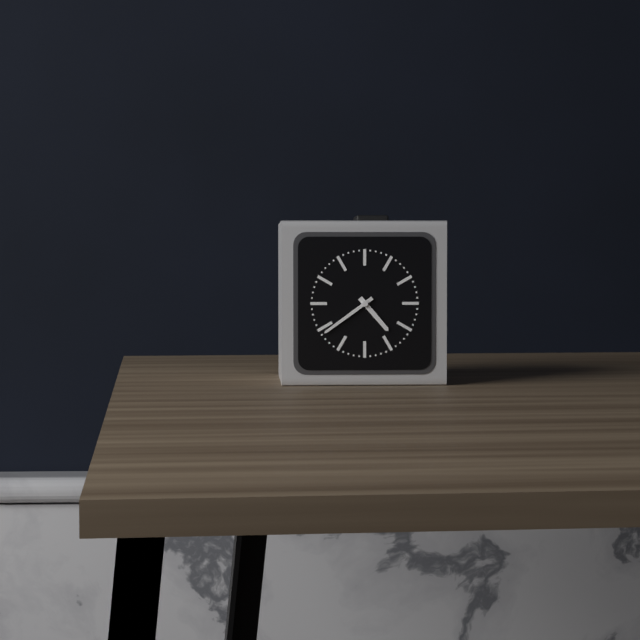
4:39
